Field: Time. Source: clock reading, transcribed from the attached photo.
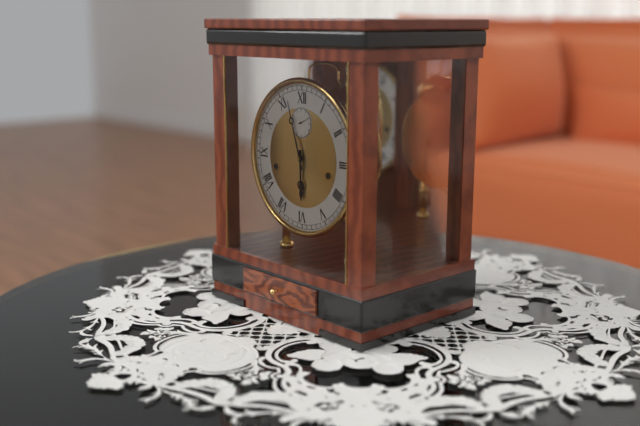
5:57
